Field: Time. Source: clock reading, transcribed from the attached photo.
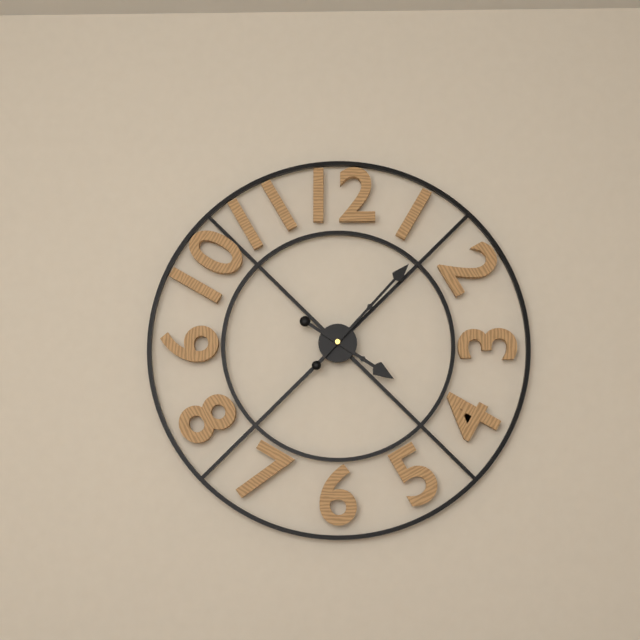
4:07
